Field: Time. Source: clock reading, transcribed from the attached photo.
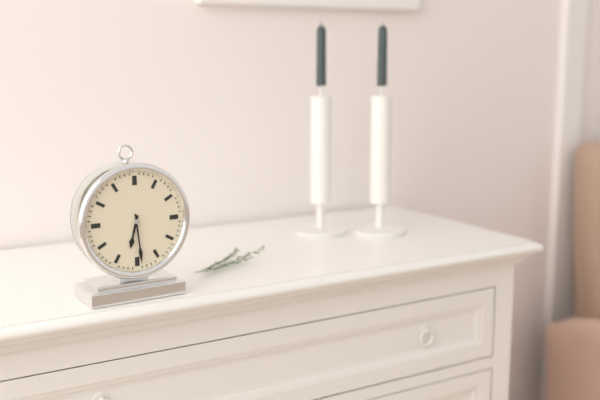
6:29
